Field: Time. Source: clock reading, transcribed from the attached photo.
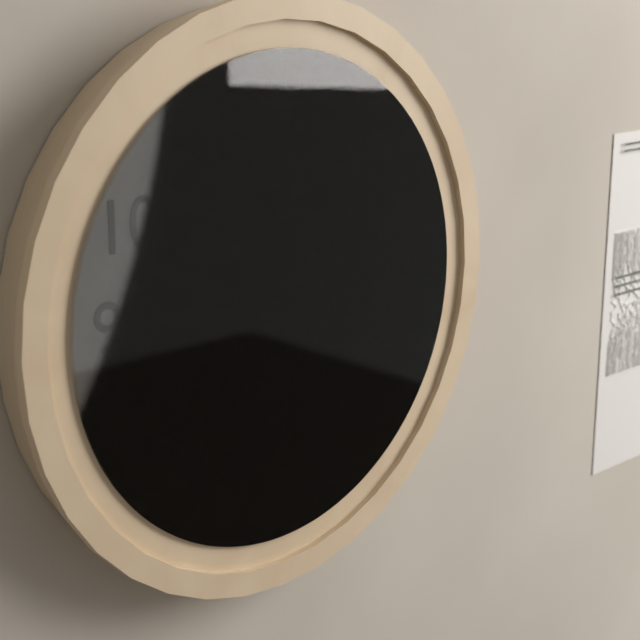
8:45
